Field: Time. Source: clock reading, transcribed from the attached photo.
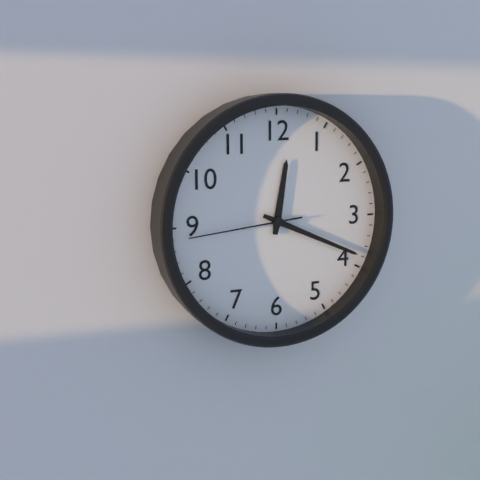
12:19:44
